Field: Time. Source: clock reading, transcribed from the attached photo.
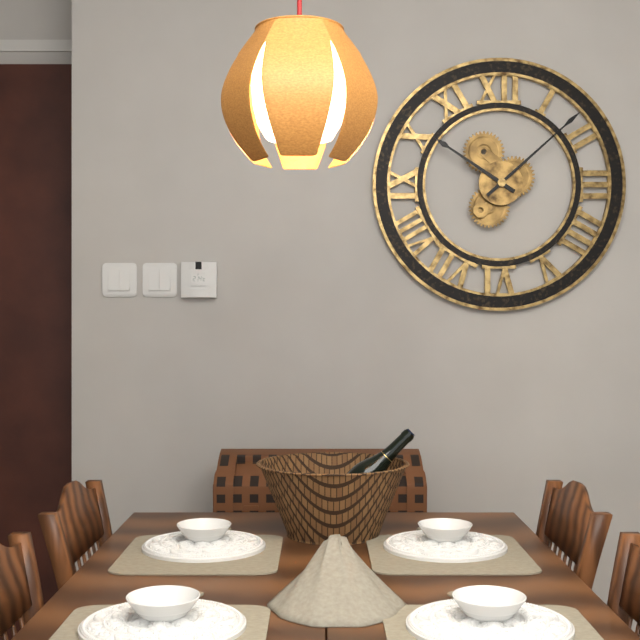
10:08
